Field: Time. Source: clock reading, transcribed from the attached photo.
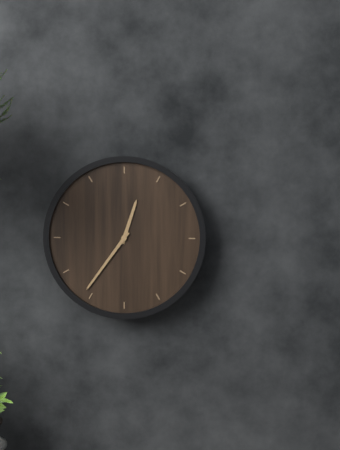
12:36
